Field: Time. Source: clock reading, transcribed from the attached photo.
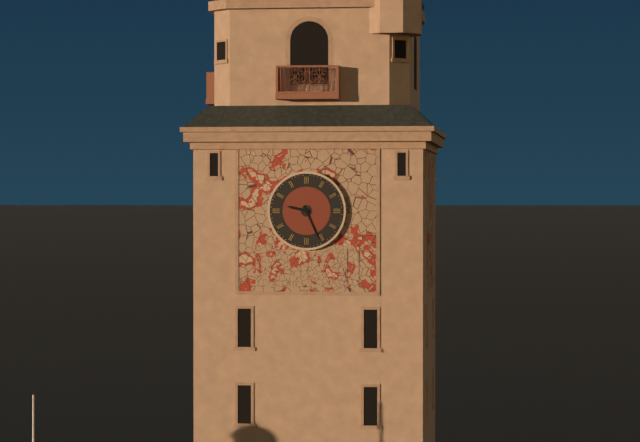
9:26
